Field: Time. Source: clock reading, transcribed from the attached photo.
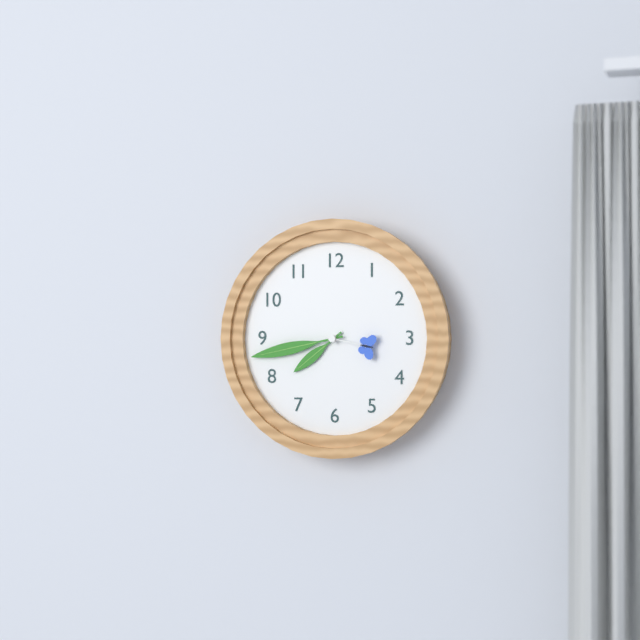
7:43:17
